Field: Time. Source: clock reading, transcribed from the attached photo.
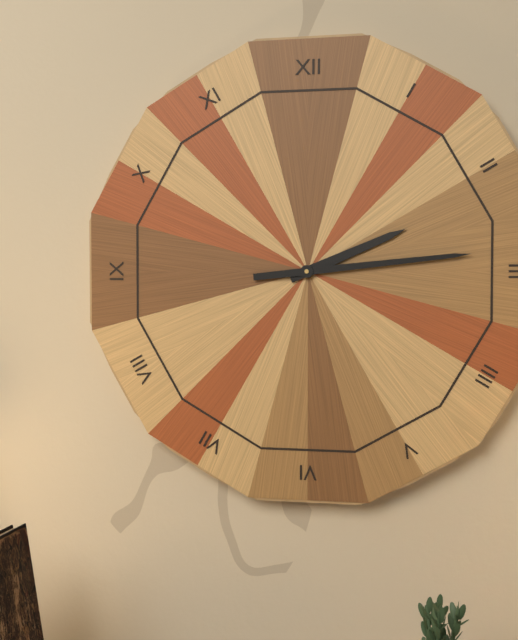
2:14
